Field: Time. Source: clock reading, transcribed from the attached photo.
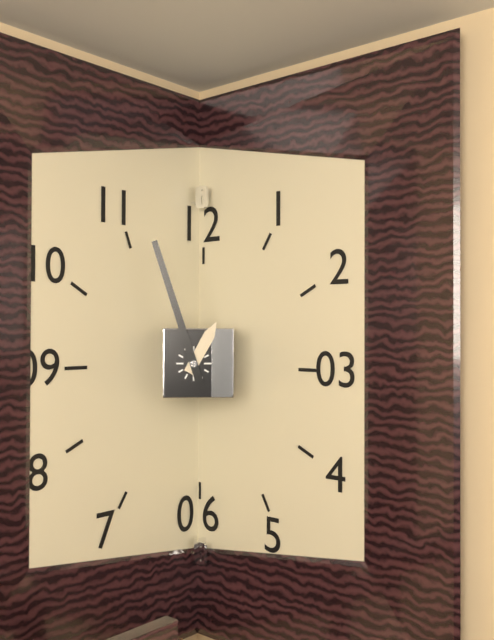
12:57
